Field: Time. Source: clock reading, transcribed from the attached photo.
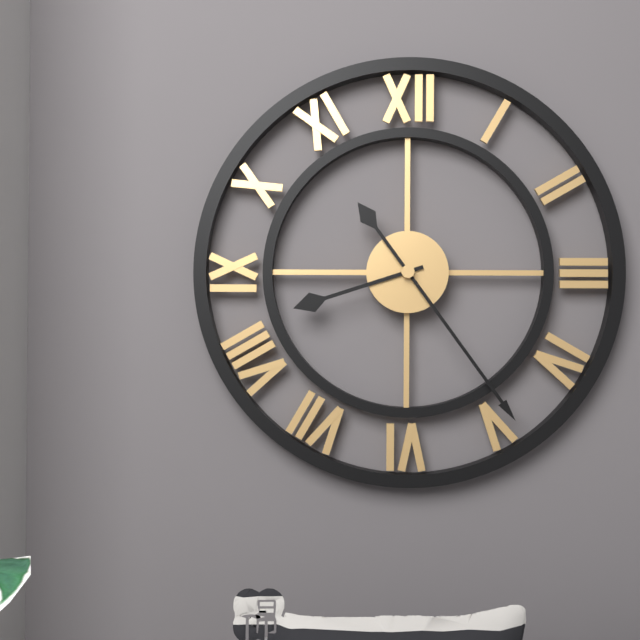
8:24
